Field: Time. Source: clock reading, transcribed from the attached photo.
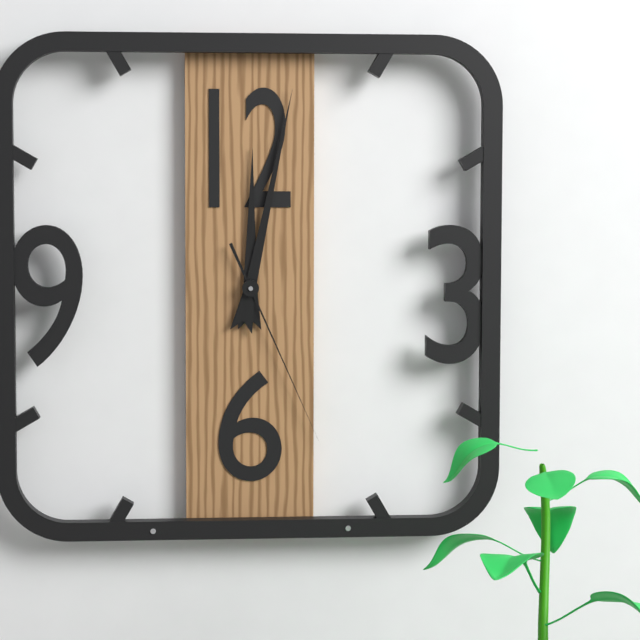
12:02:26
